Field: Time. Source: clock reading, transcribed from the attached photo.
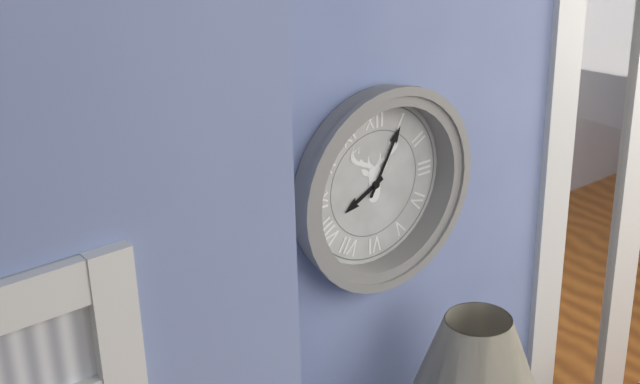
8:05
